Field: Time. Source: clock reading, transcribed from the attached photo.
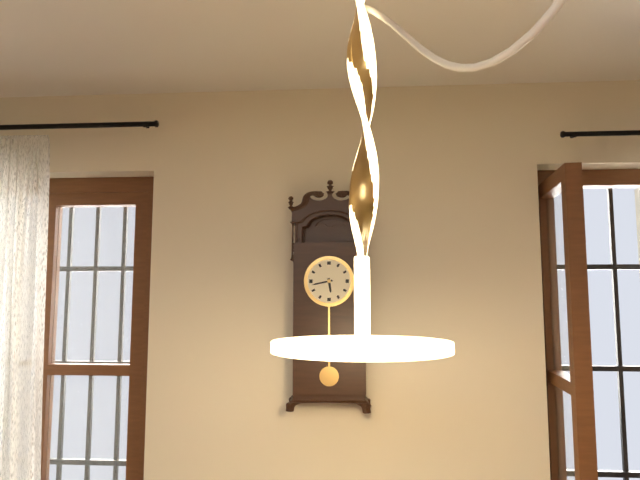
5:43
